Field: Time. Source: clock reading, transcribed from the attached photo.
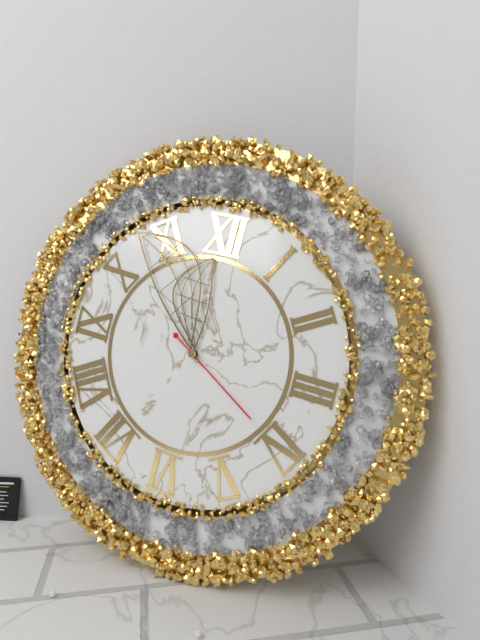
11:53:20
